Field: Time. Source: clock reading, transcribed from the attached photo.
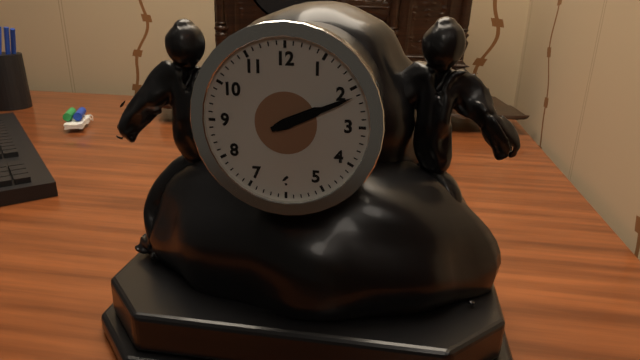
2:11
